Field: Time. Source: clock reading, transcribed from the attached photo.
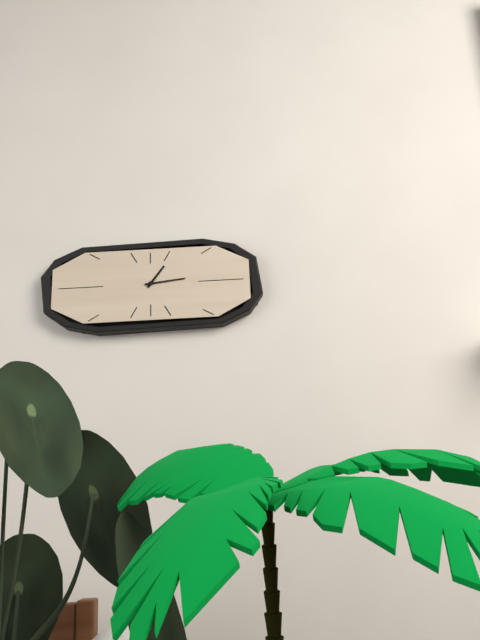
1:14
